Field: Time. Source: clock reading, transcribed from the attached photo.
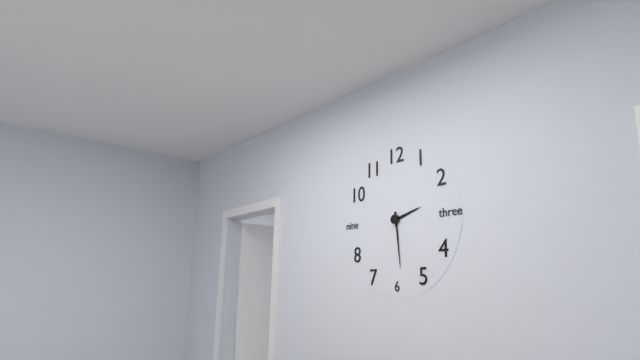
2:29
